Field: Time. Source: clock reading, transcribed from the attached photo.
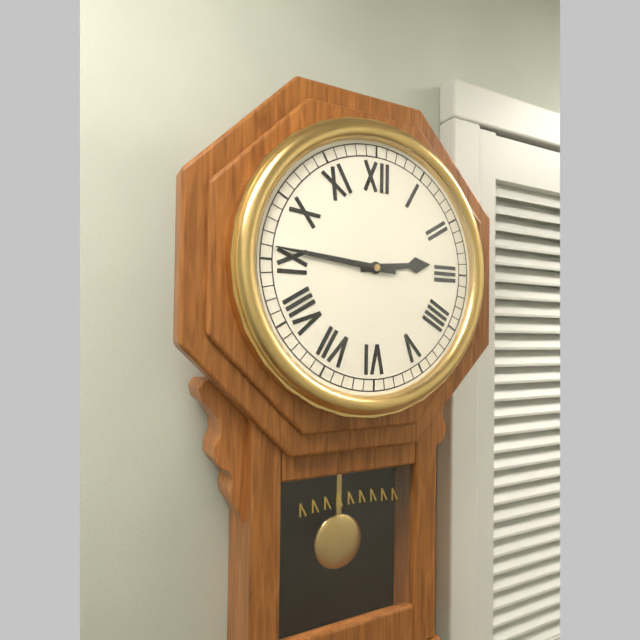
2:46
